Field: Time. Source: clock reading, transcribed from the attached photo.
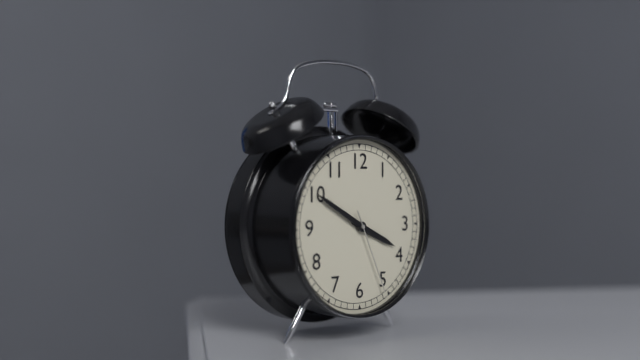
3:50:26
